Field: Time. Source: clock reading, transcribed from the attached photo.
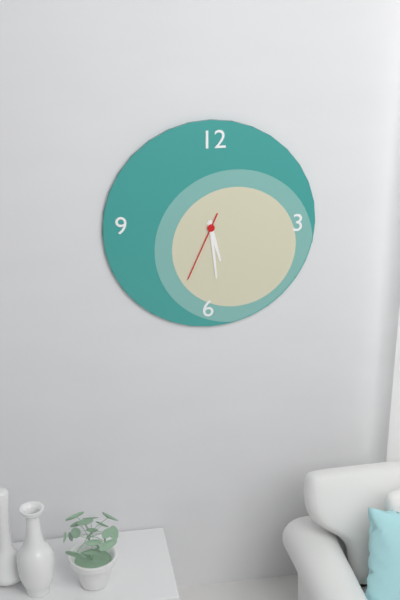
5:29:34
